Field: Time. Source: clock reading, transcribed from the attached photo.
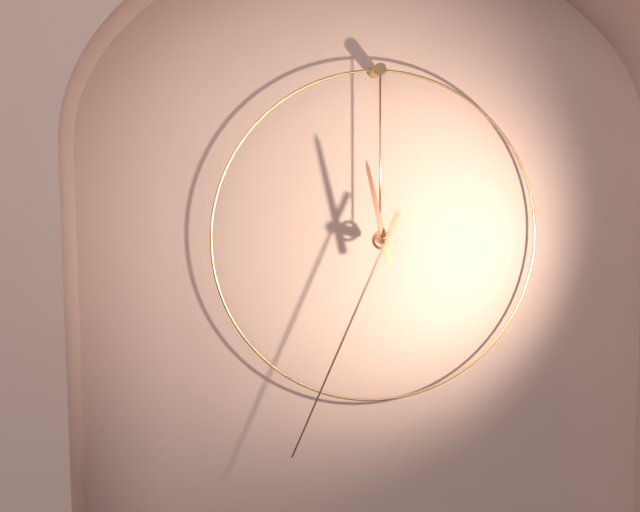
11:34
